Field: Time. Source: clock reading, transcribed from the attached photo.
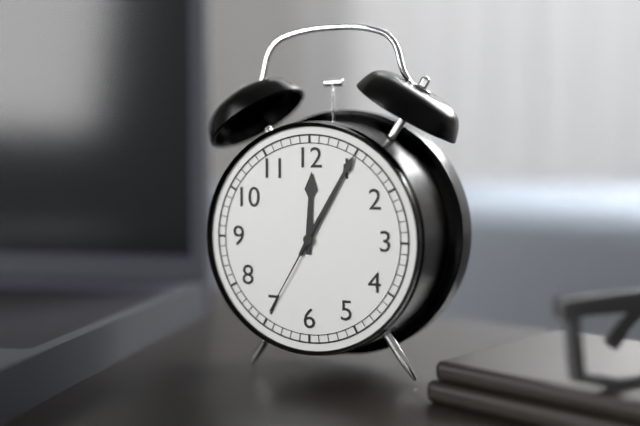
12:05:35
